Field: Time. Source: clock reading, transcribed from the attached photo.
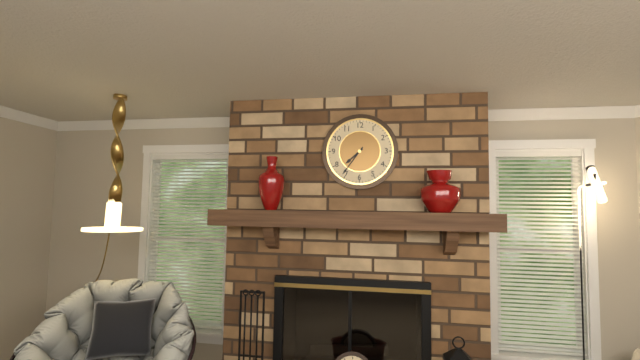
7:36
